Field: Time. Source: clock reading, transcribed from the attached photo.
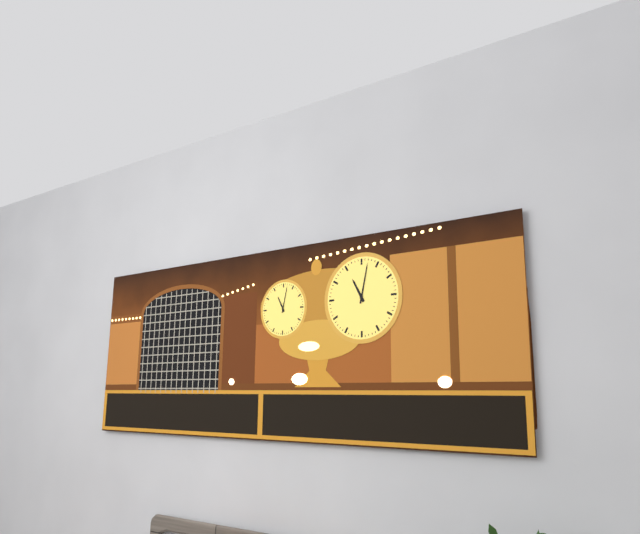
11:02
